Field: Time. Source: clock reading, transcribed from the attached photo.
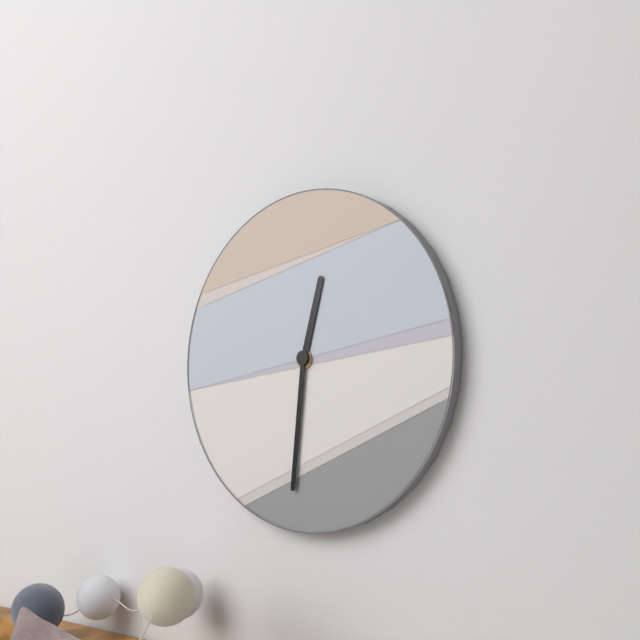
12:31
